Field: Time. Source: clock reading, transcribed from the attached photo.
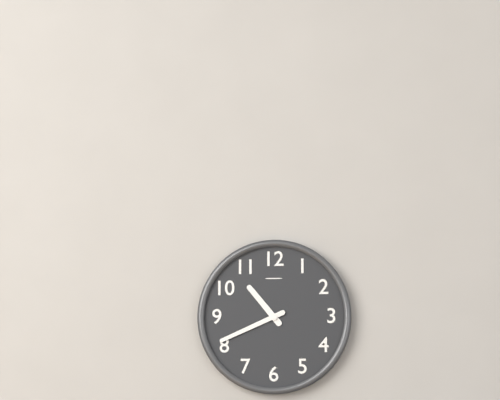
10:41
